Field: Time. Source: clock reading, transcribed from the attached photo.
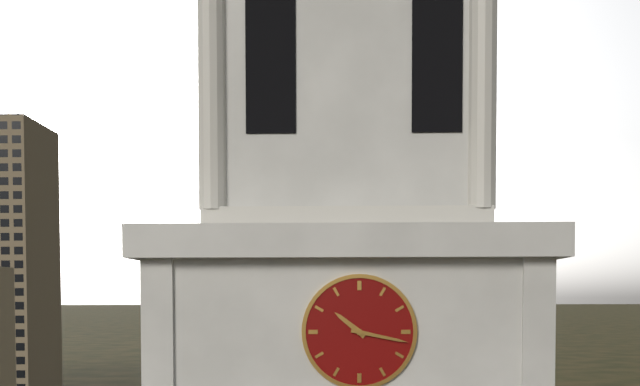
10:17
